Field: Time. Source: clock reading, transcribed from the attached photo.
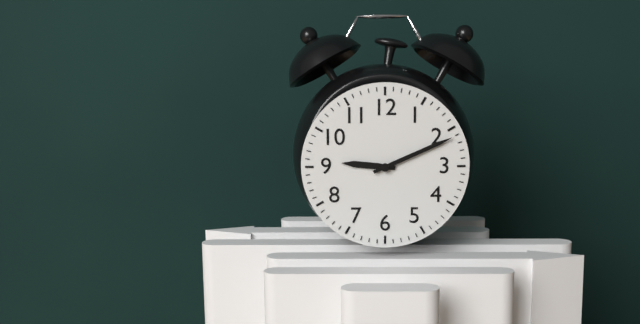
9:11
